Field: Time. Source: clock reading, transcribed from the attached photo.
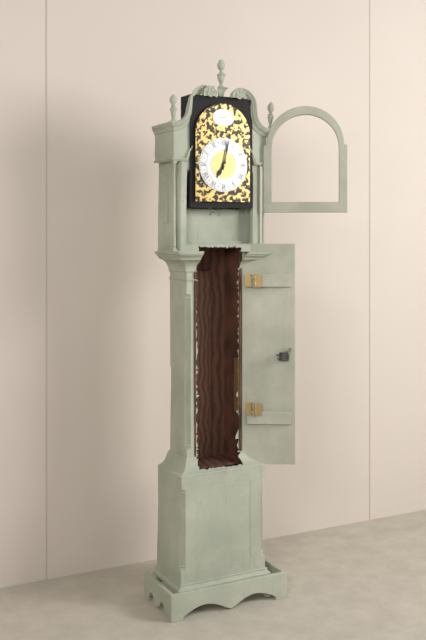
7:02
